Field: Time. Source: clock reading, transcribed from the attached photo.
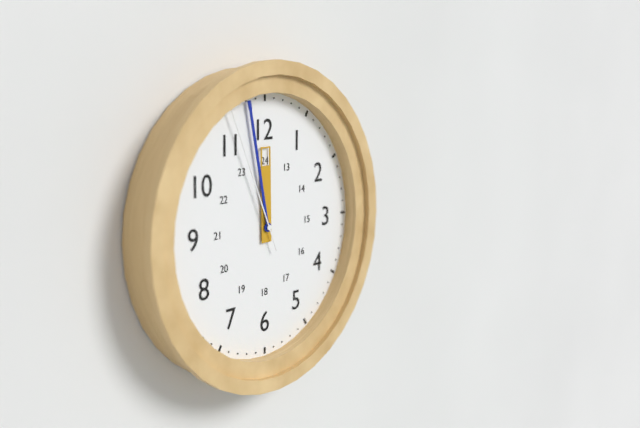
11:58:56
